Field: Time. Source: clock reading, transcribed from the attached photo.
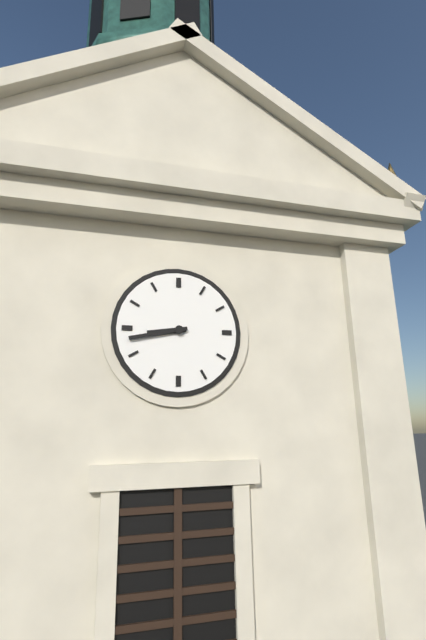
8:43
